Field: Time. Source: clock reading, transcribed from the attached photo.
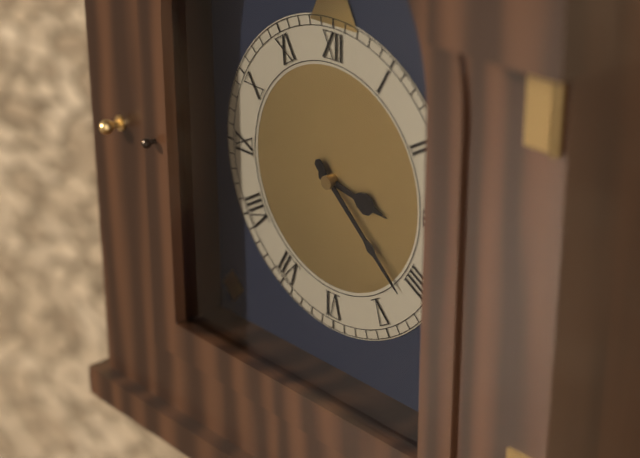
3:22
